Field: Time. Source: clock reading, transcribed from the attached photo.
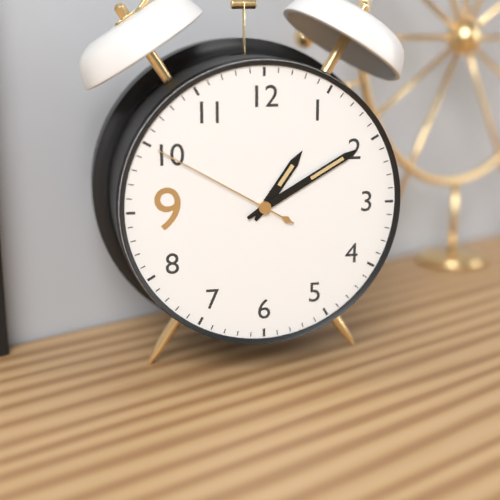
1:10:50
